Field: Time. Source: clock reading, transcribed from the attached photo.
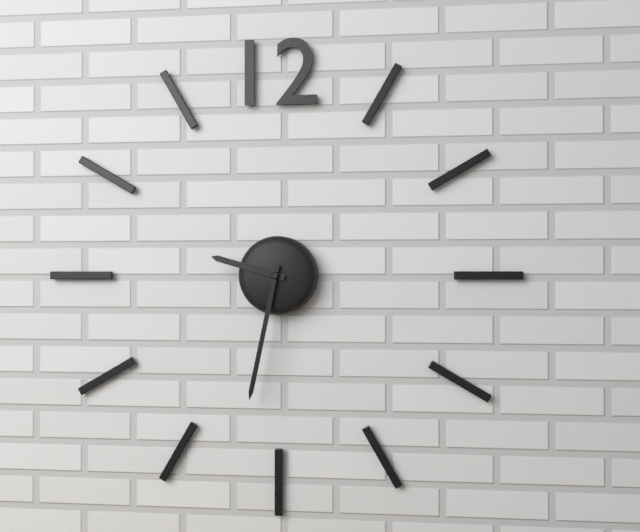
9:32
